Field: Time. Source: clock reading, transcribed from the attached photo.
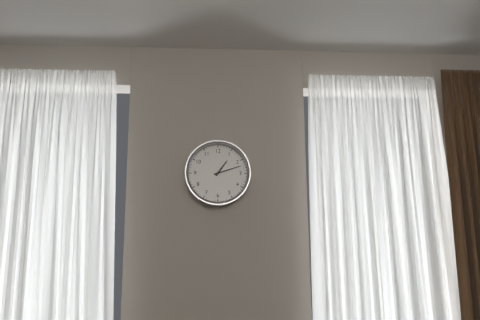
1:12
